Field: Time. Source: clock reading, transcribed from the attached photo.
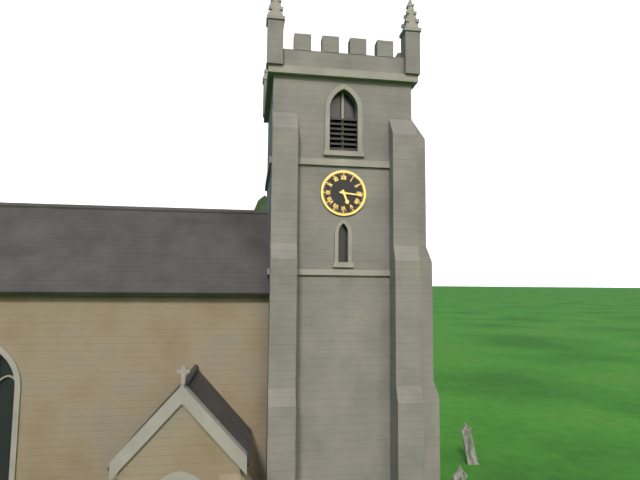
5:16
